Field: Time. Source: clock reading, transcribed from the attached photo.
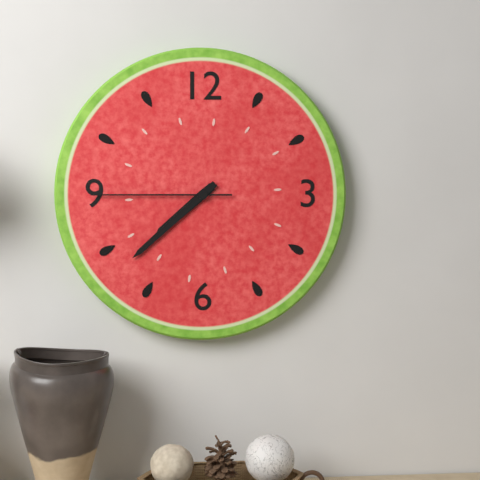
7:38:45
